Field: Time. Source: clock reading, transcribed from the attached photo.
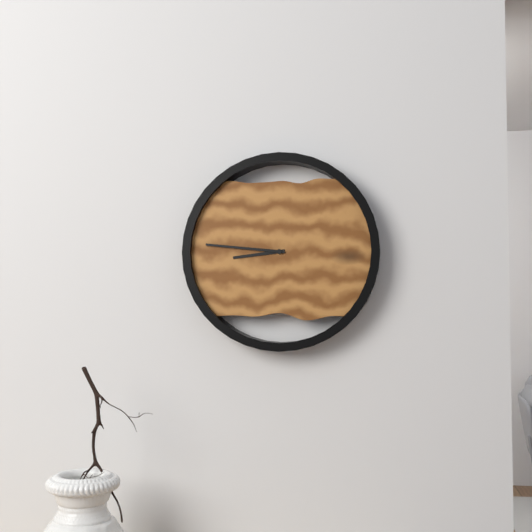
8:46
